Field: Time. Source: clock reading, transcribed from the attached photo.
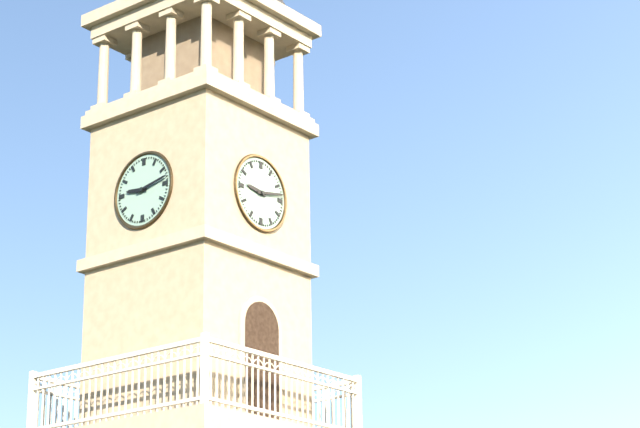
9:13
